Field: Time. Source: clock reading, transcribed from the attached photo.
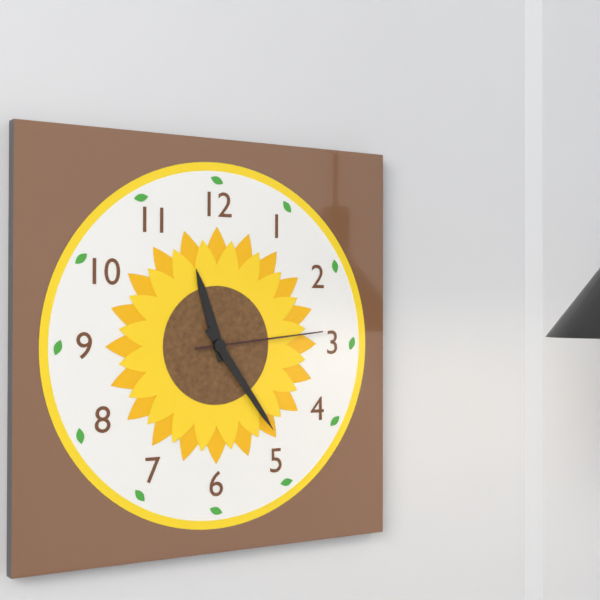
11:24:14
